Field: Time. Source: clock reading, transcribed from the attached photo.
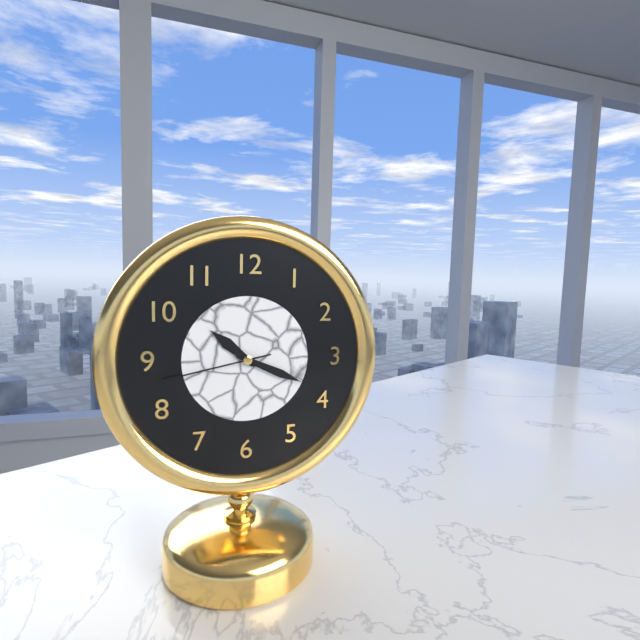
10:19:43
